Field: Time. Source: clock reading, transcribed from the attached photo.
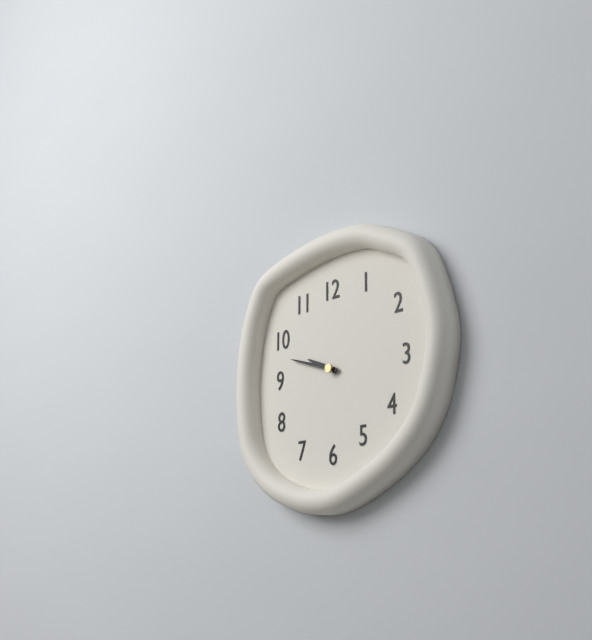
9:48
